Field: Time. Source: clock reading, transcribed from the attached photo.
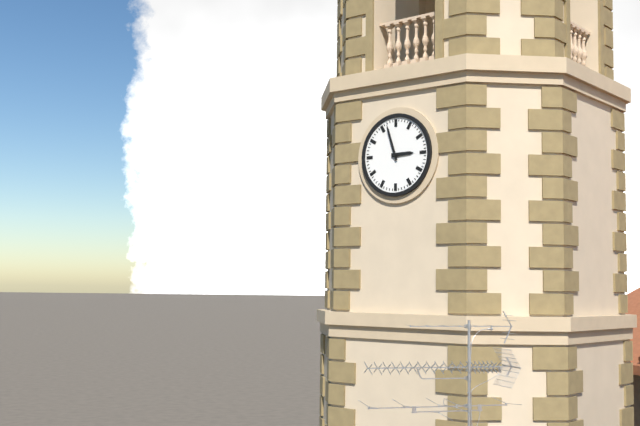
2:57
